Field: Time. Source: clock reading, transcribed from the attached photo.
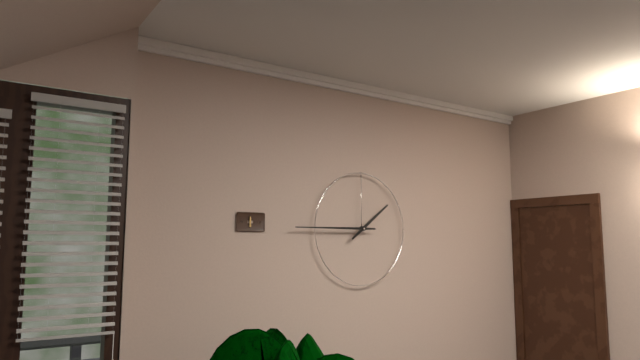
1:45
